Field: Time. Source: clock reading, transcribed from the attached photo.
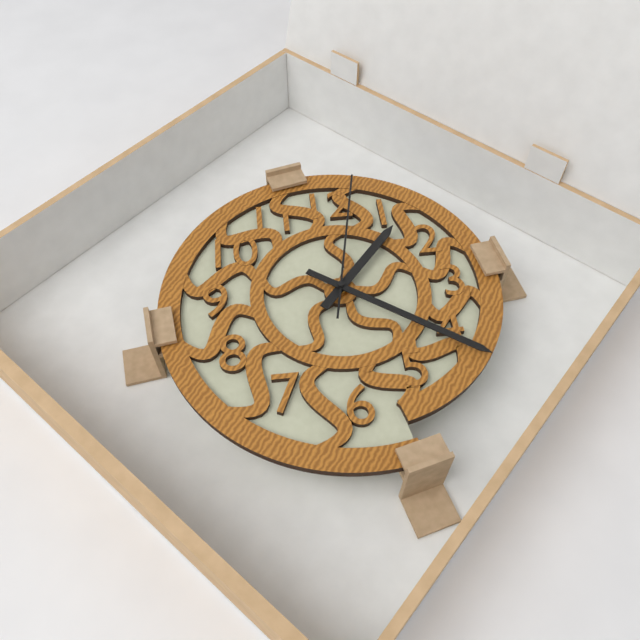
1:21:02
